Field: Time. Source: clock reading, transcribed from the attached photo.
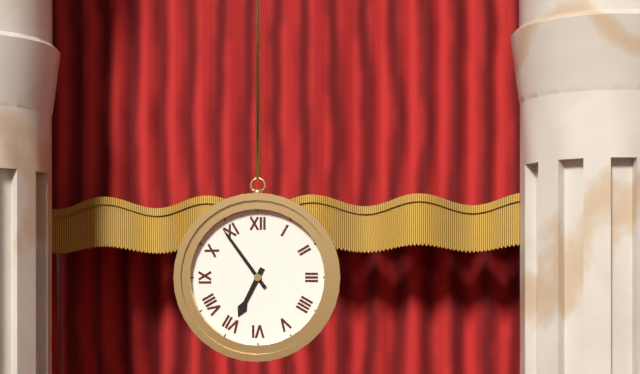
6:54
